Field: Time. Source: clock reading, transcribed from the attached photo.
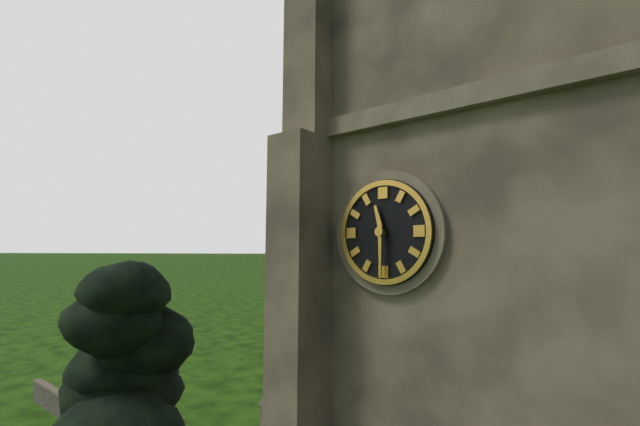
11:30
